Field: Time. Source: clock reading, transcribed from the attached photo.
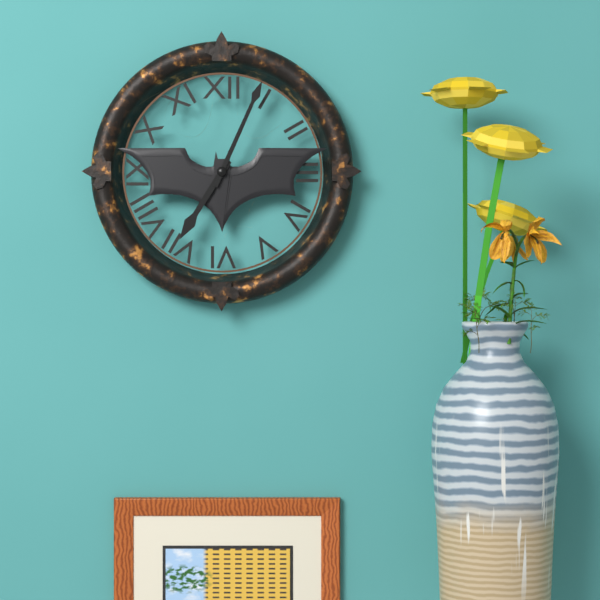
7:04
